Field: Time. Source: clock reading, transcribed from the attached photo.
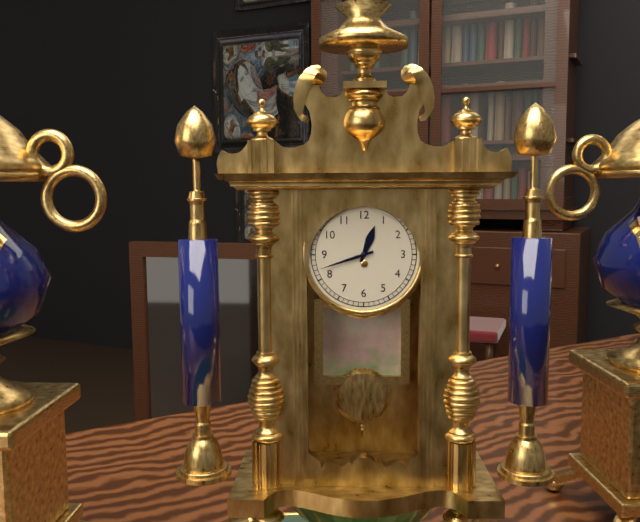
12:42
